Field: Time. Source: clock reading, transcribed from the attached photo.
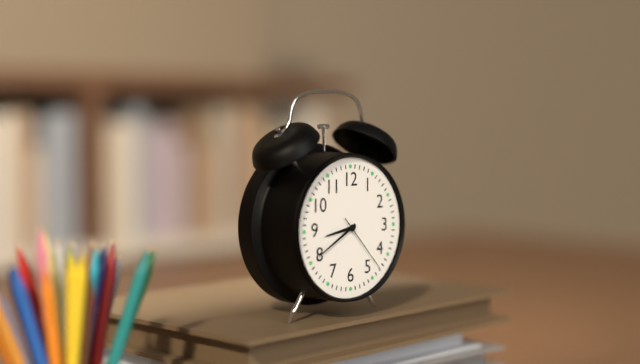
8:40:23
